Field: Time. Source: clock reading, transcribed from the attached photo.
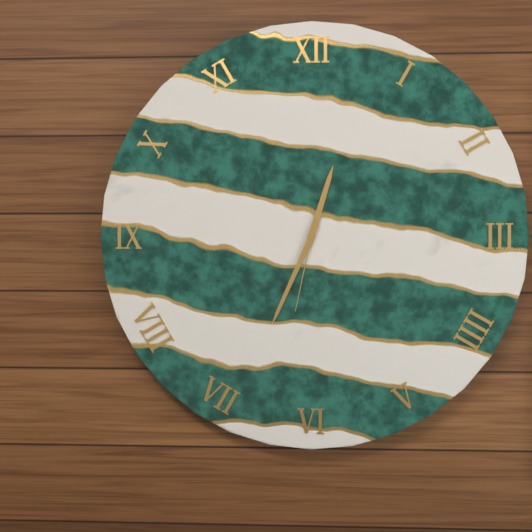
12:34:32
